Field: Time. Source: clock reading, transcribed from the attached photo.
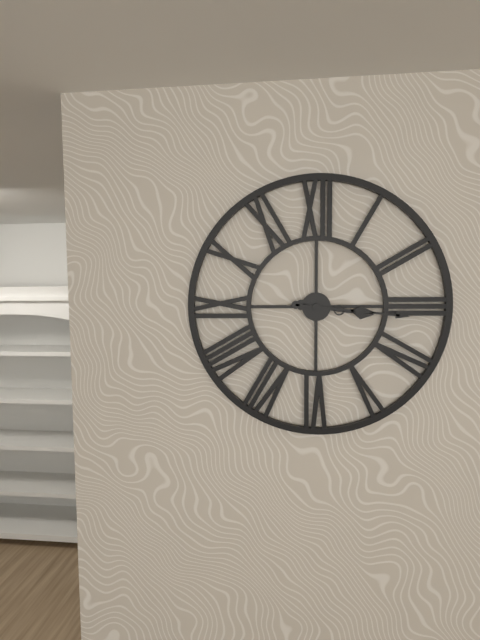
3:16
